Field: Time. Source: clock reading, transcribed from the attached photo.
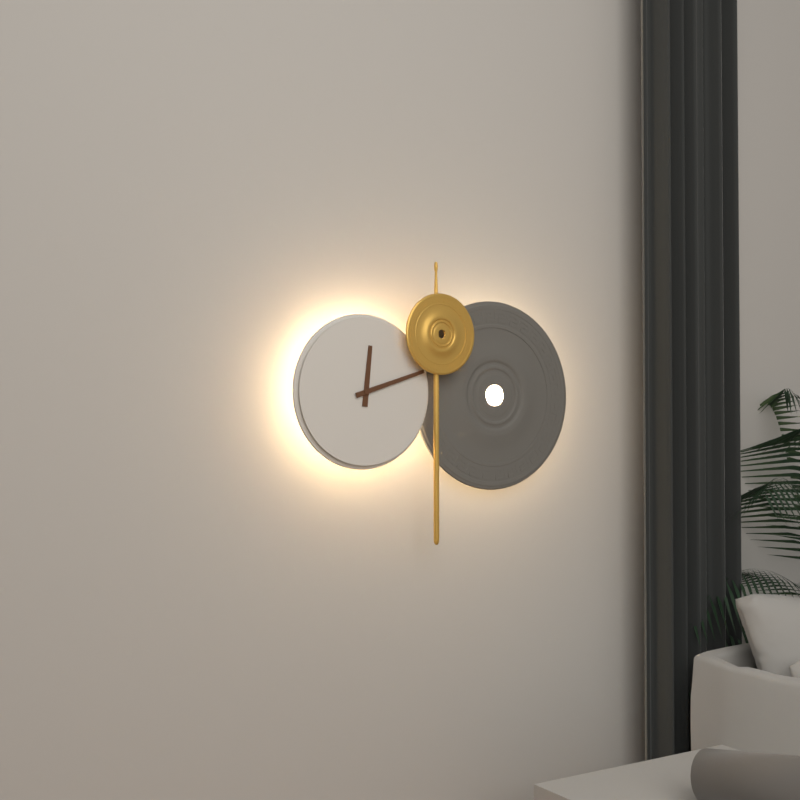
12:12
